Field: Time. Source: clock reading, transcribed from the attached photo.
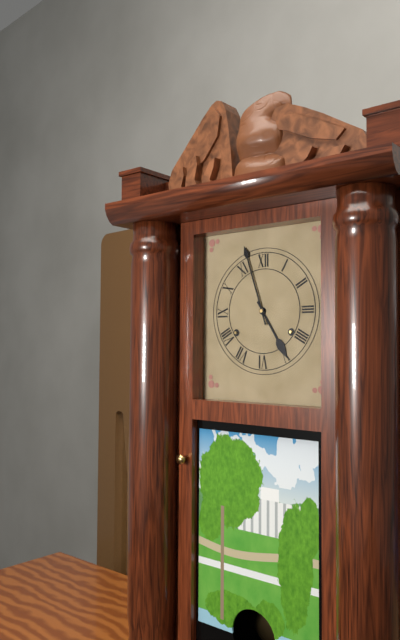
4:57
